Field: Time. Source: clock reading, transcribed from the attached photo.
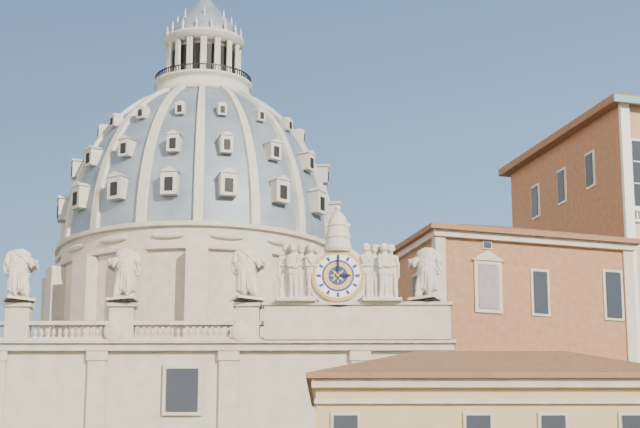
3:00
